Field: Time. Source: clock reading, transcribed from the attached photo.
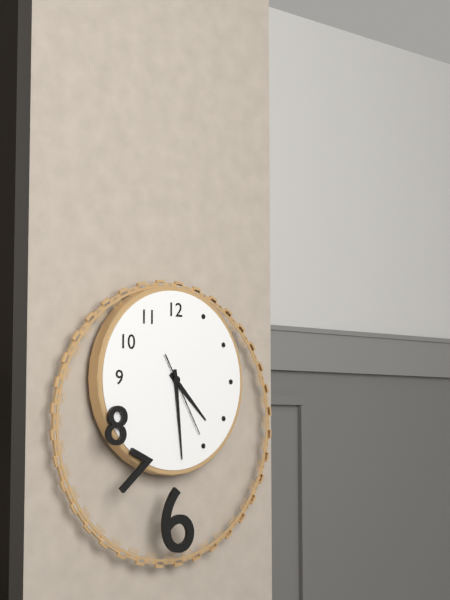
4:29:25
